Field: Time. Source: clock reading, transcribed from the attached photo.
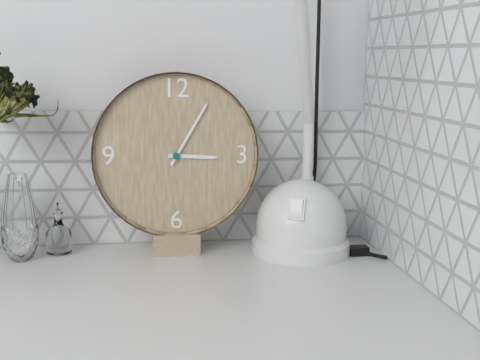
3:05
